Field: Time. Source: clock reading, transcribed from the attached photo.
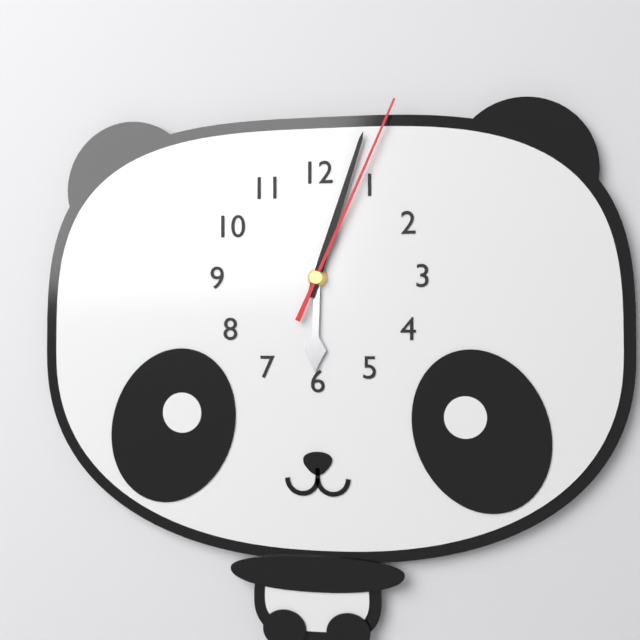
6:03:04
